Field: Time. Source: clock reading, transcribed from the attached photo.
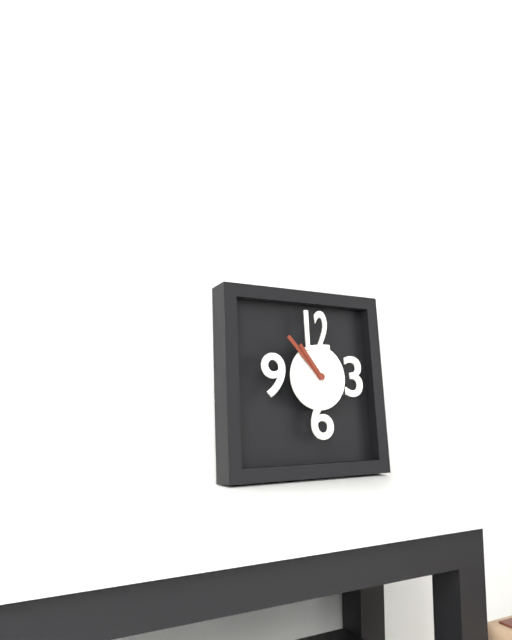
10:53
